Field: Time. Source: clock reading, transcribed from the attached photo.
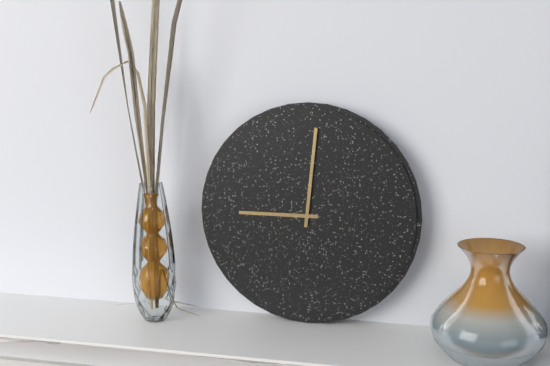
9:01
